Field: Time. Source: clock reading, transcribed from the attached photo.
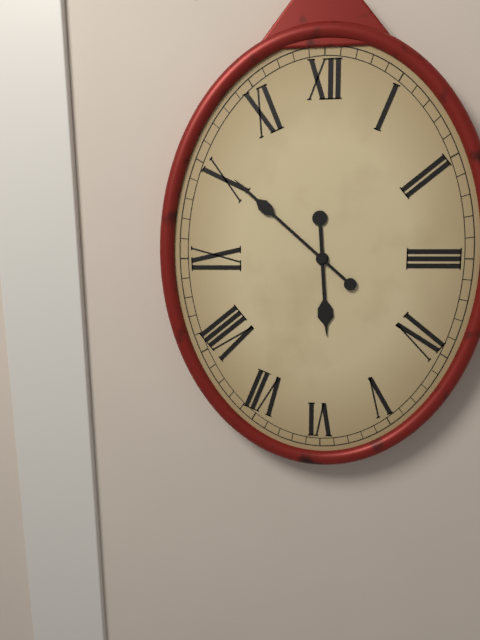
5:52
